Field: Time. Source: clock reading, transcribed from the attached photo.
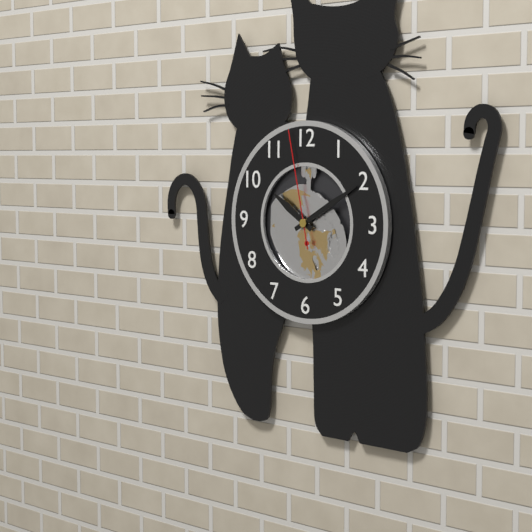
10:10:58
